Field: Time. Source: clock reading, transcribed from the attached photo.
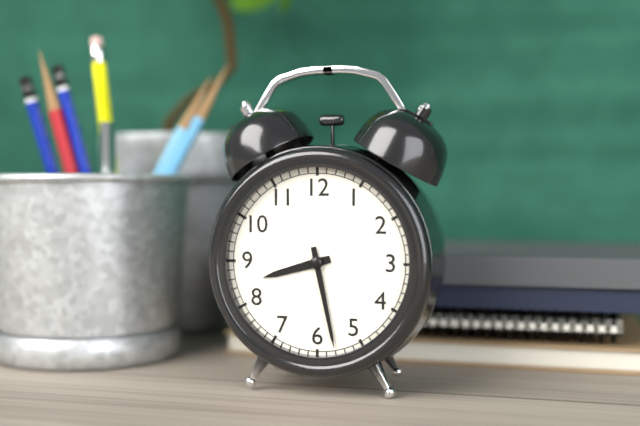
8:28
